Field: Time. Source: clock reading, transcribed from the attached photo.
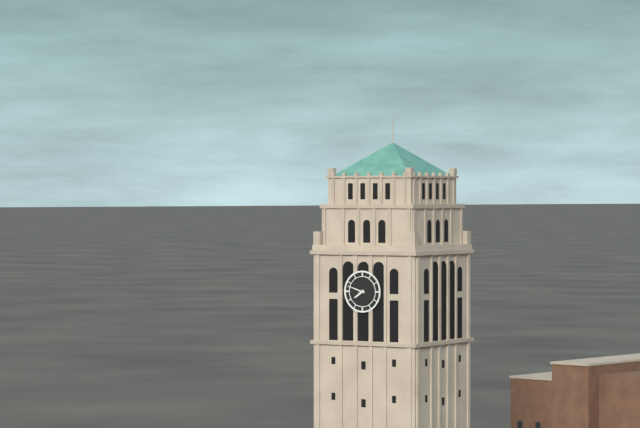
7:48
